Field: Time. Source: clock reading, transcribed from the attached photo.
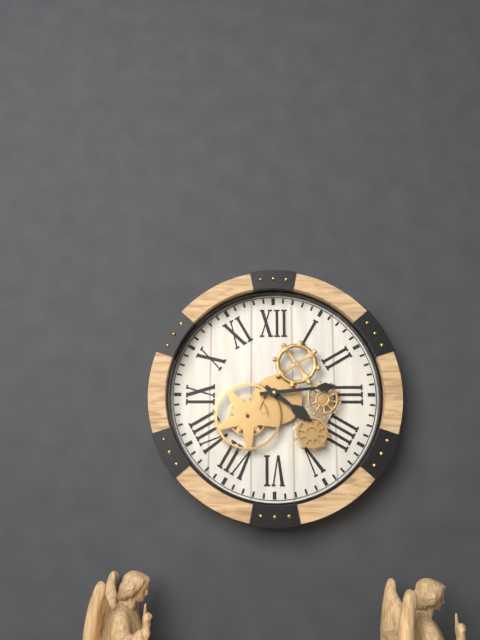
4:14
